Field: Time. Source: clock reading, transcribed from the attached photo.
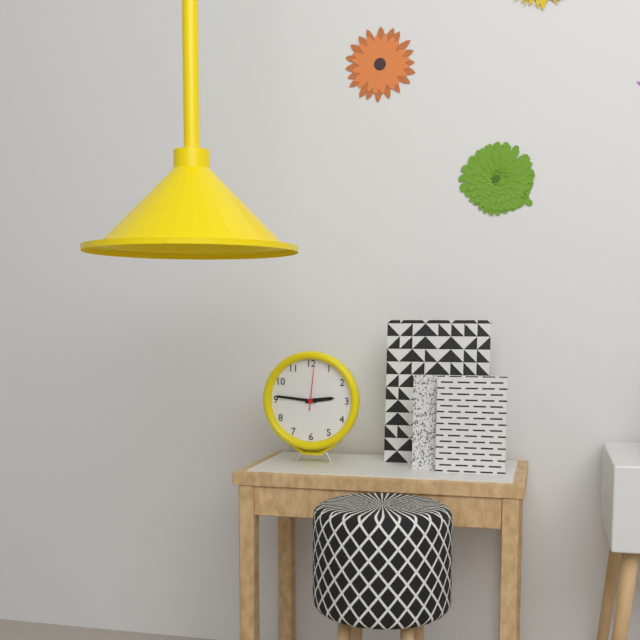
2:46
